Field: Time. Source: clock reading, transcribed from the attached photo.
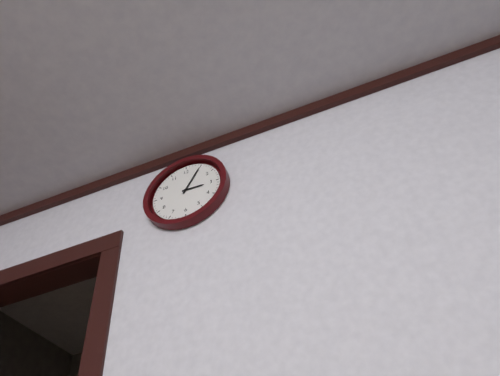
3:05
